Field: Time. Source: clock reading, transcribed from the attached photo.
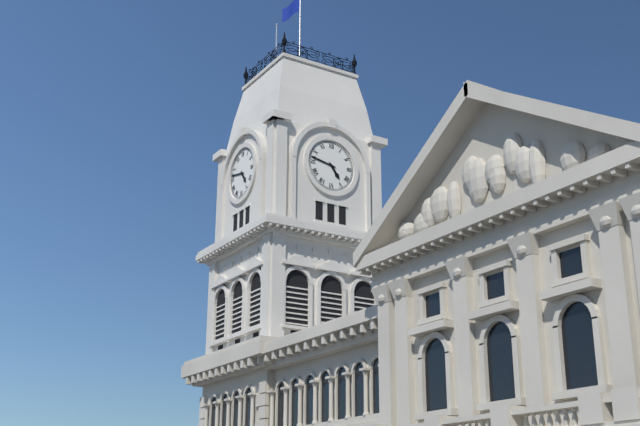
4:47
